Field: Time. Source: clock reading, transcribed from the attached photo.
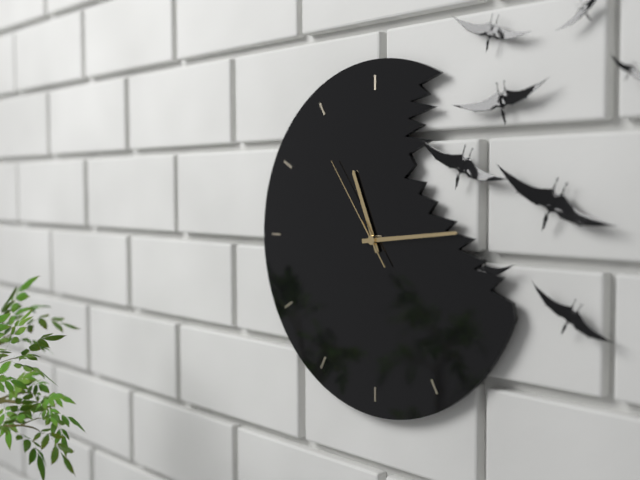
11:14:54
